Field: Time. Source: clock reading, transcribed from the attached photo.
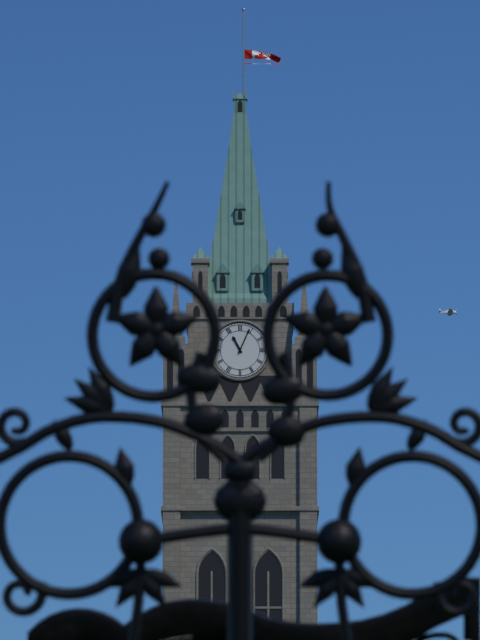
11:04
